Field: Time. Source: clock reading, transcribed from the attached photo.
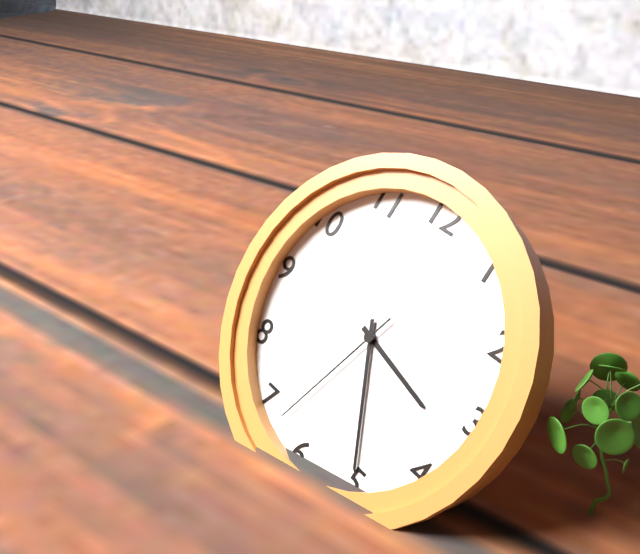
3:25:33
